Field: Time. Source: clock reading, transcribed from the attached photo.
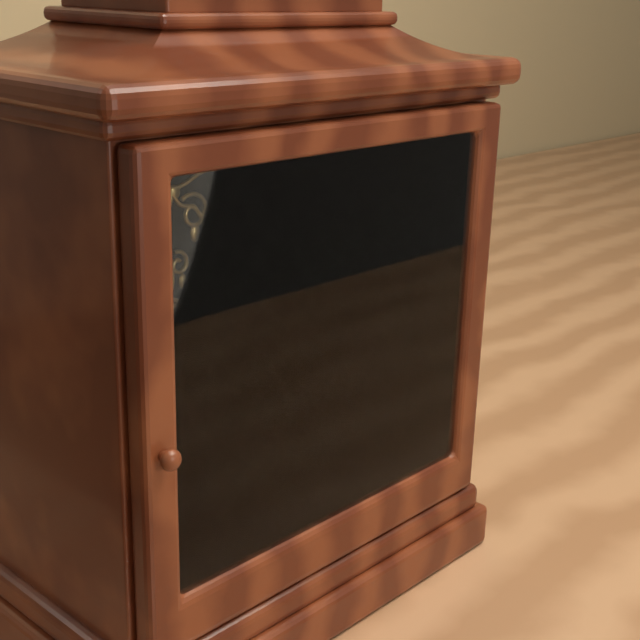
5:03
